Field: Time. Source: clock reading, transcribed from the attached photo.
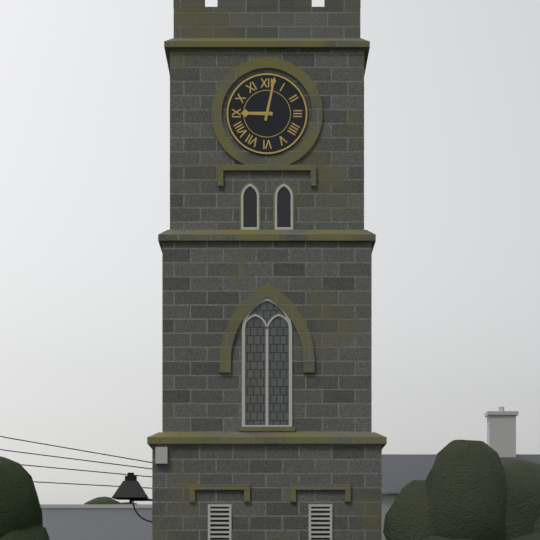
9:02
